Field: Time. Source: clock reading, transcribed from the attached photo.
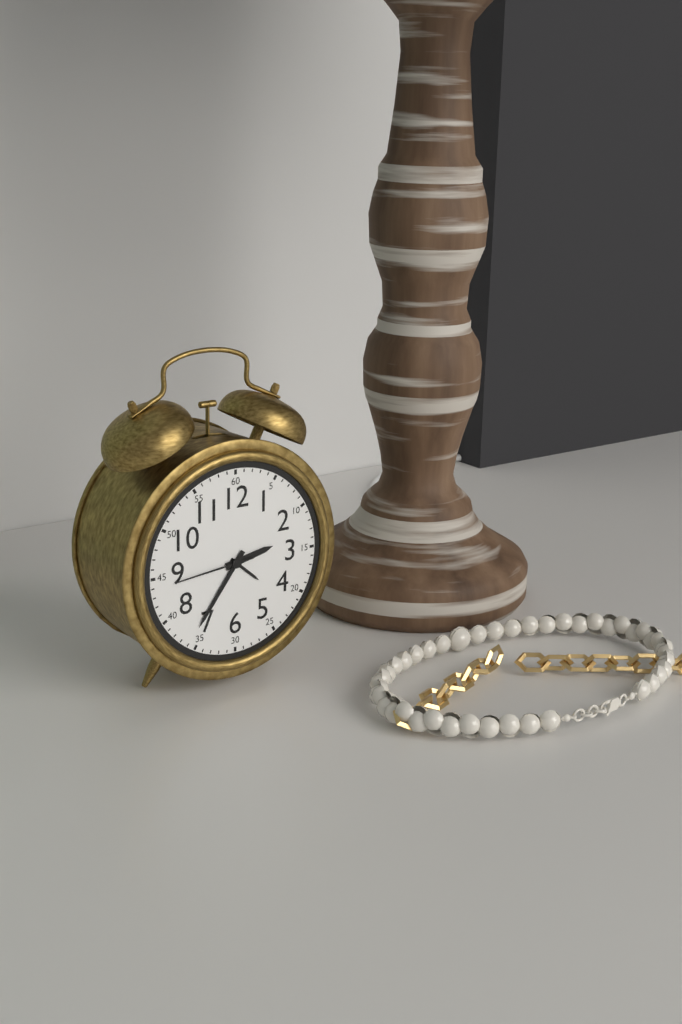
2:36:44
